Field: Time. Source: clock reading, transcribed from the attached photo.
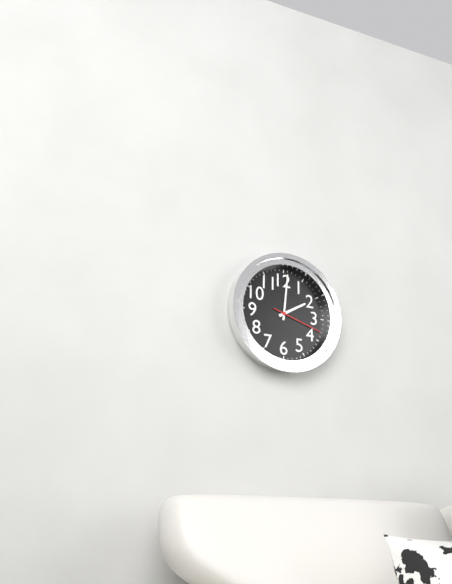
2:01:18
